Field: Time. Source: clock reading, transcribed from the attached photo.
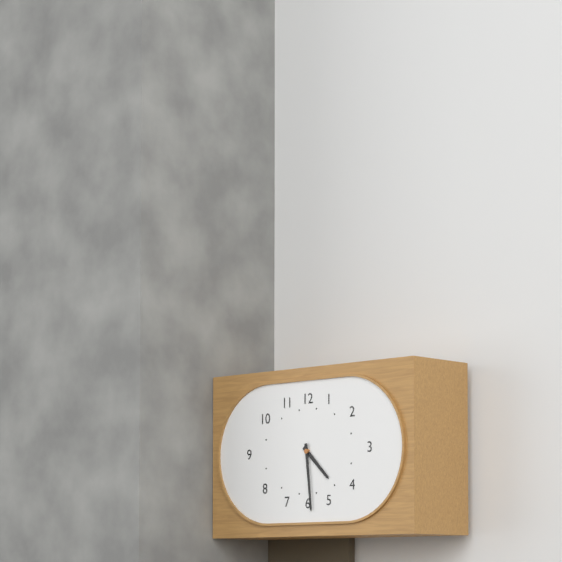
4:29
